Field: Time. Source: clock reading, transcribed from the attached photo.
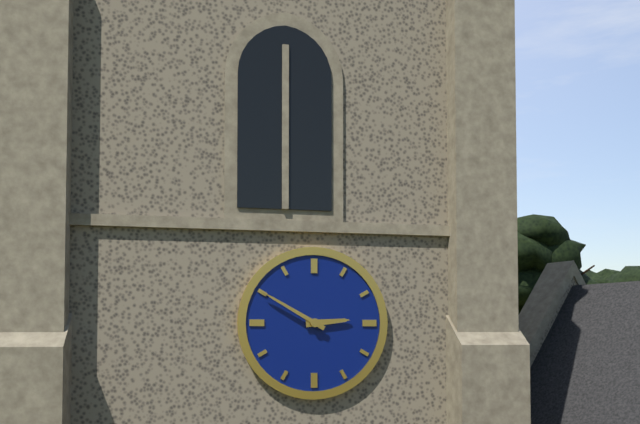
2:50
